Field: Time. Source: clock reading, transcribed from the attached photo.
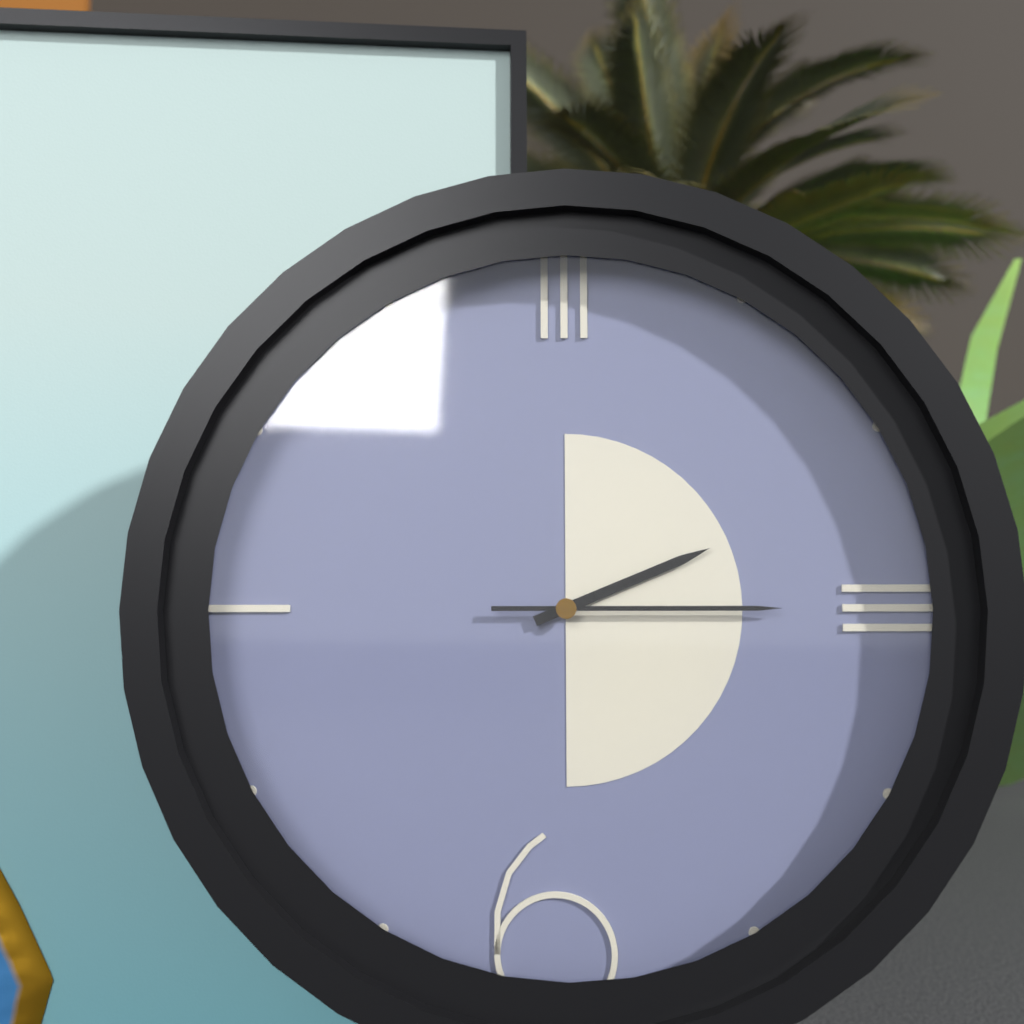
2:15
